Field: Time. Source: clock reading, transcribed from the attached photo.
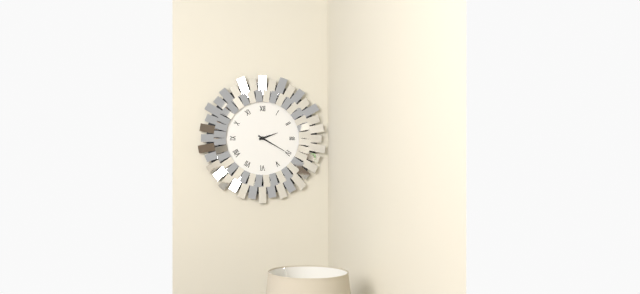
2:20
